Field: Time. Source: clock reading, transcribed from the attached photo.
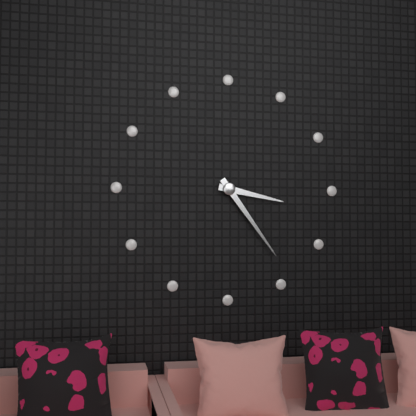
3:24
